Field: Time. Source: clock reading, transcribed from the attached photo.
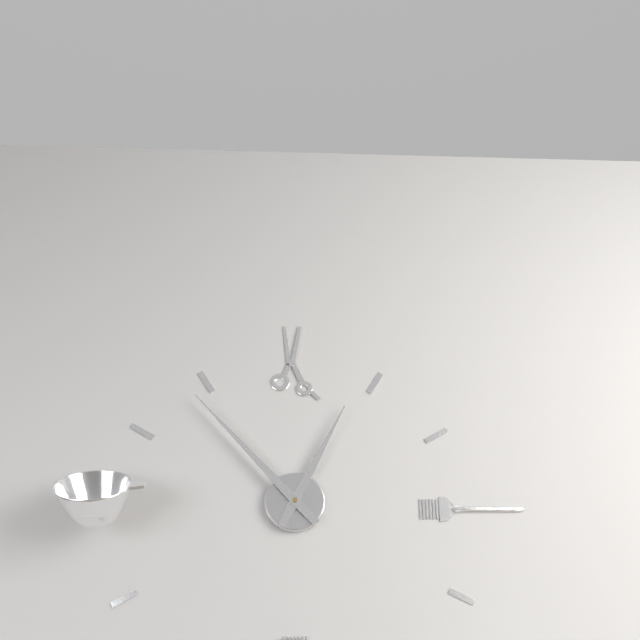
12:53
